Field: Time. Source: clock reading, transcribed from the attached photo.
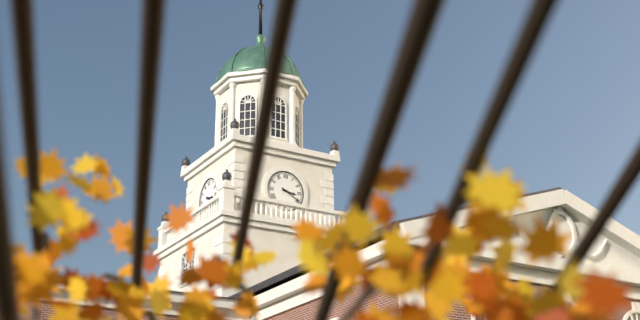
3:20
